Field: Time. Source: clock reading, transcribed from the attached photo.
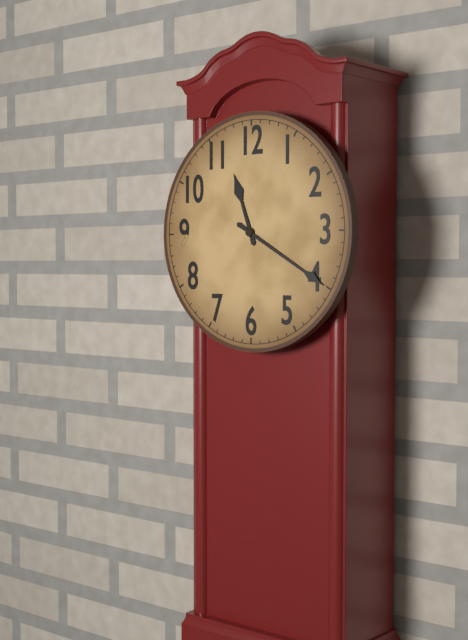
11:20
